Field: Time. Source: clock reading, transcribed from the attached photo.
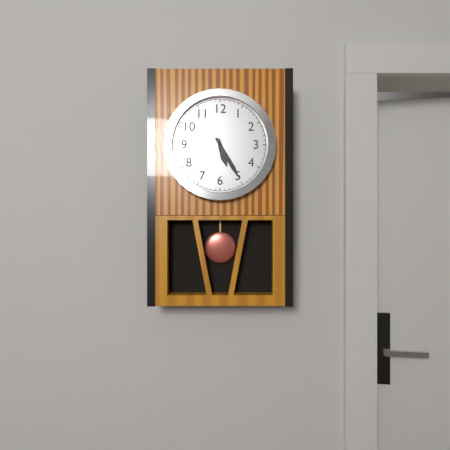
5:25
